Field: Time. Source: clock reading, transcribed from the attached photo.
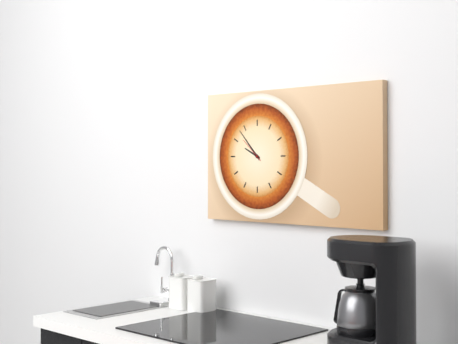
9:53
